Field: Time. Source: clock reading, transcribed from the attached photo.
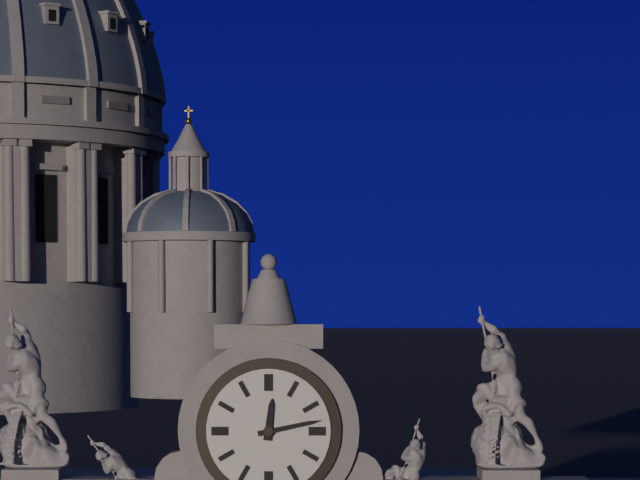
12:13
